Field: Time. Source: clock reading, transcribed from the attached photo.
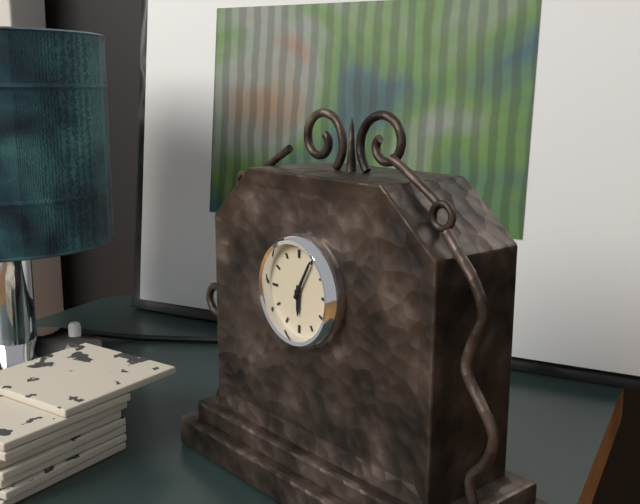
6:05
